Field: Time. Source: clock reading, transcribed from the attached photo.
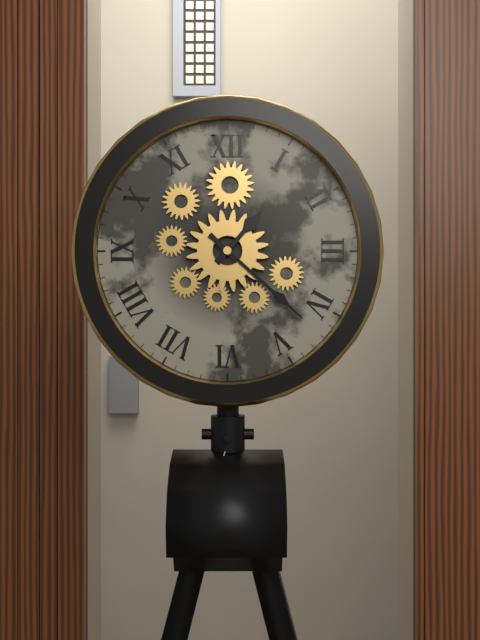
1:22
